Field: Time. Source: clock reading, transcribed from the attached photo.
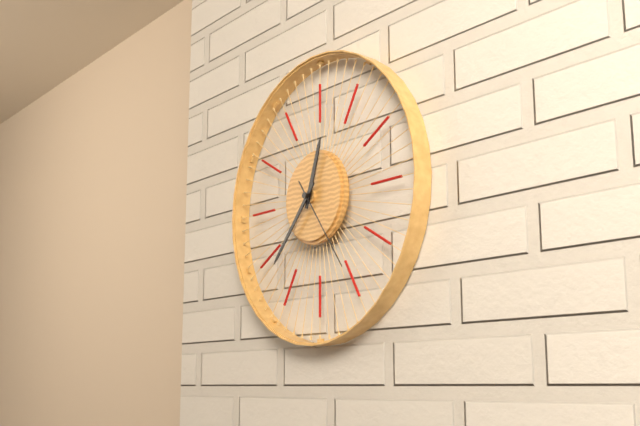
12:37:24
